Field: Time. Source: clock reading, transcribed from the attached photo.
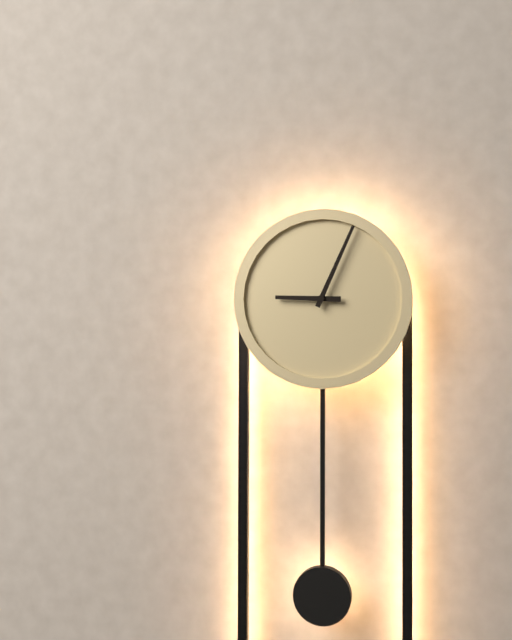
9:04
